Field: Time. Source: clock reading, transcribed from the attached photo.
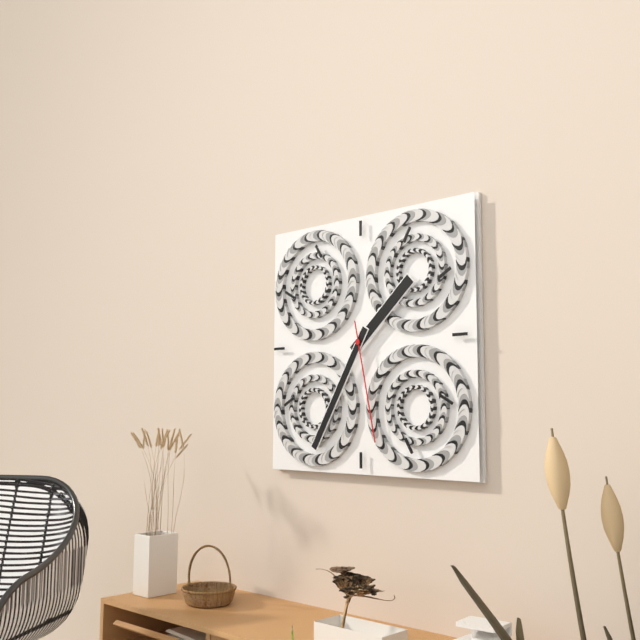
1:35:28
